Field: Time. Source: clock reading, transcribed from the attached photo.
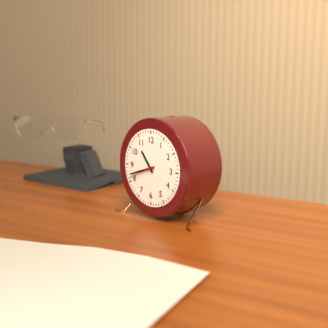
10:42
